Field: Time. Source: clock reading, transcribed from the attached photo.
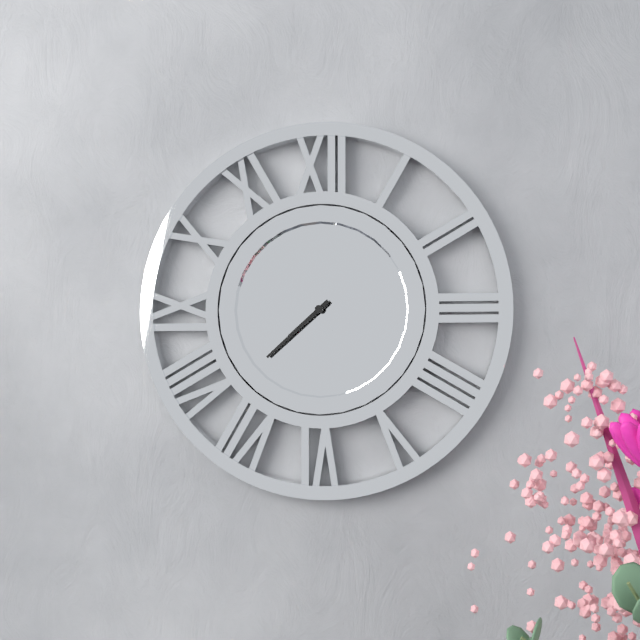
7:38
